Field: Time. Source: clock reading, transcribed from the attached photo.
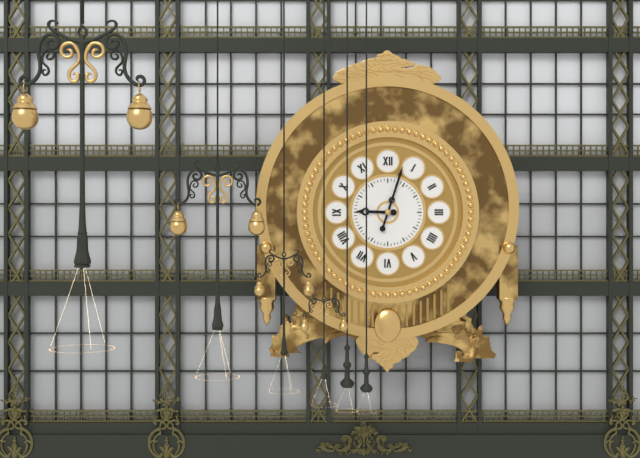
9:03
